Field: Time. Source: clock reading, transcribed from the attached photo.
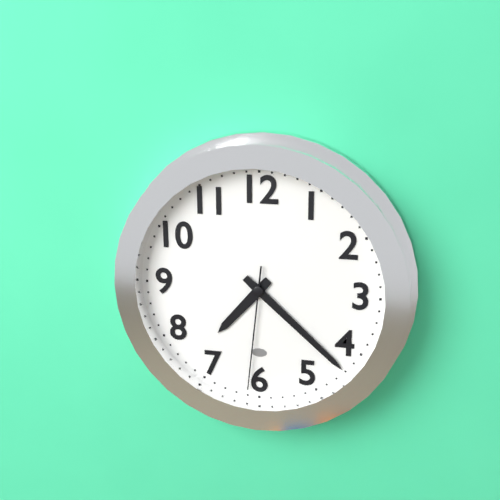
7:22:31
